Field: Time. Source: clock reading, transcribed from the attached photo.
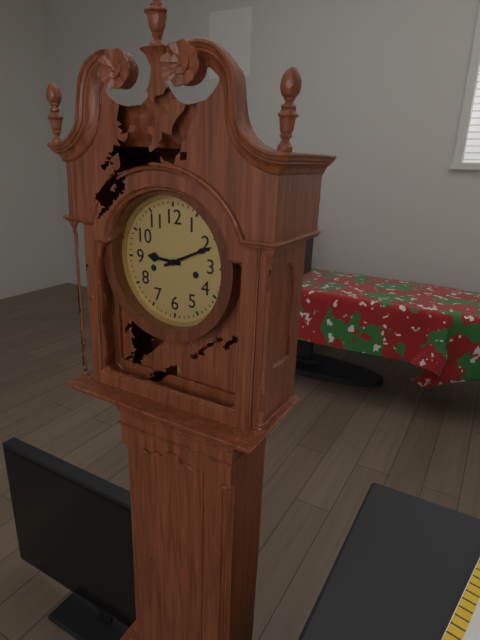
9:11
